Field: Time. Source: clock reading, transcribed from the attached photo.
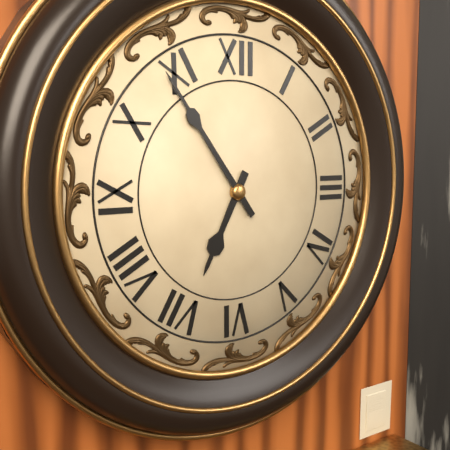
6:54
